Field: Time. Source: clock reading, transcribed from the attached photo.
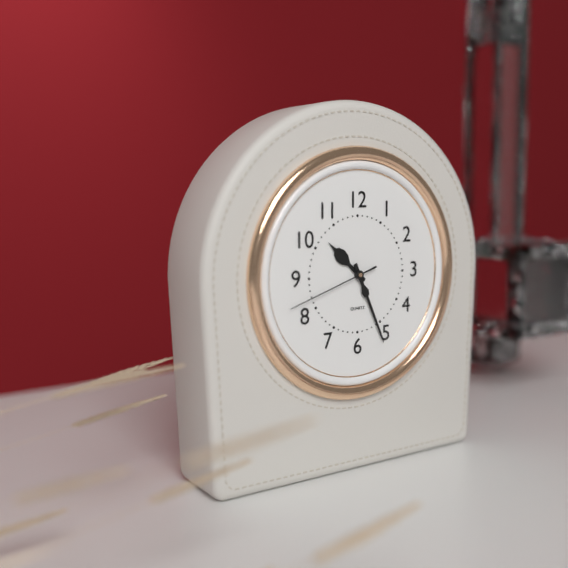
10:26:42
